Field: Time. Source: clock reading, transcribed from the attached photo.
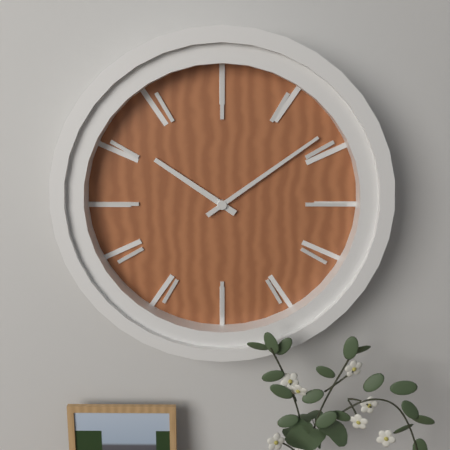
10:09
